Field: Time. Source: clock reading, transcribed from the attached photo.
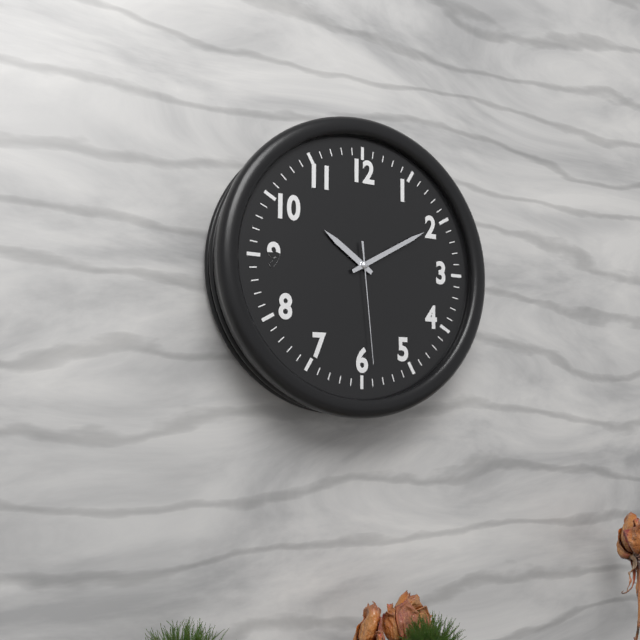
10:10:29
